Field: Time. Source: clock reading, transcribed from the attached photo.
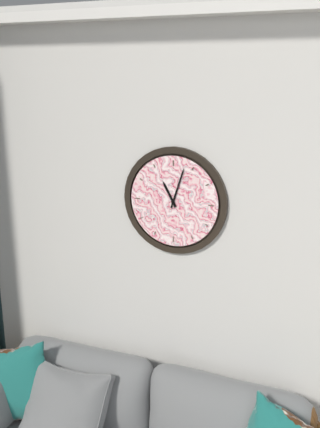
11:03
